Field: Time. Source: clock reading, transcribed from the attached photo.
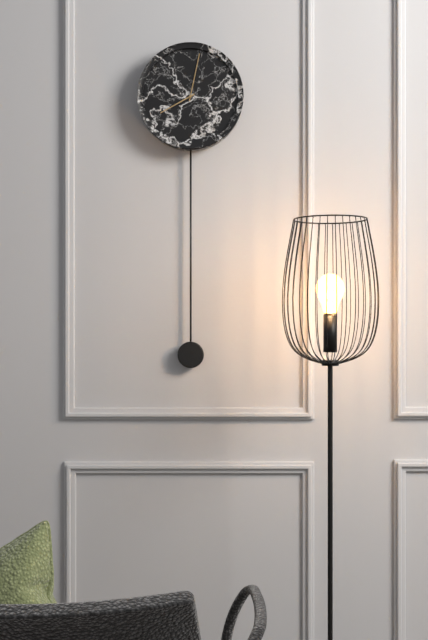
8:02
